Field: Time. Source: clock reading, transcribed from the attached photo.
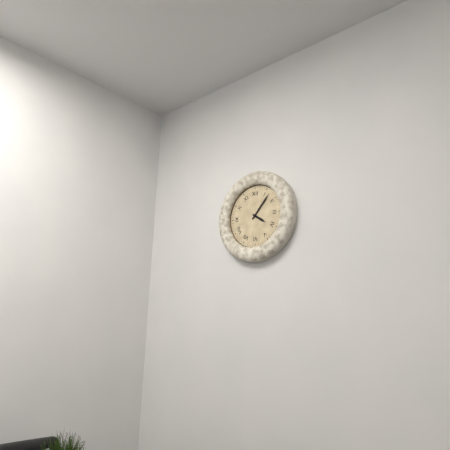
4:07
